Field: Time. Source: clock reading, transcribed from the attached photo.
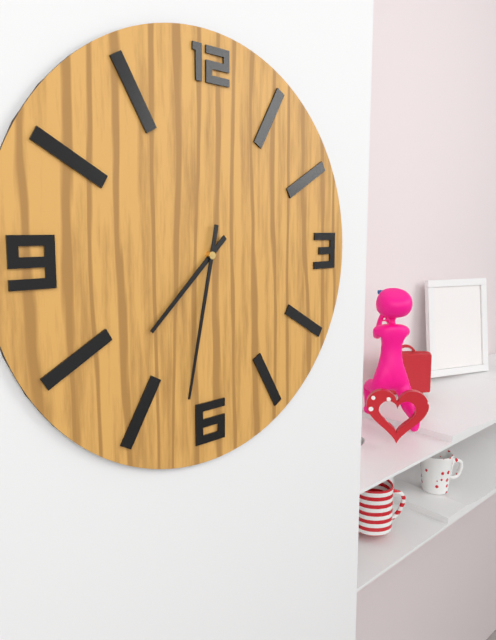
7:32
